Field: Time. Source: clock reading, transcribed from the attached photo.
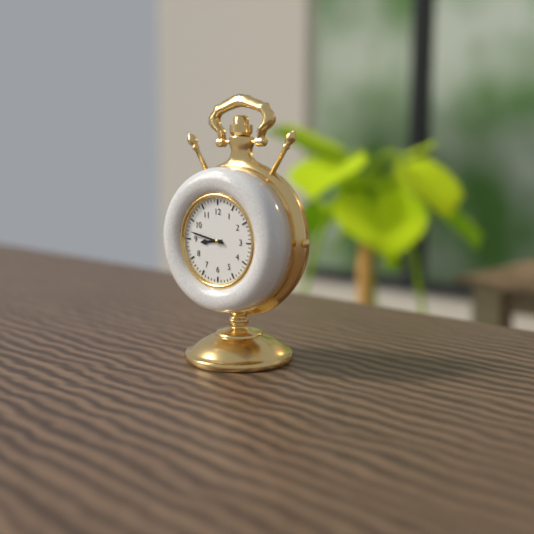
8:47
